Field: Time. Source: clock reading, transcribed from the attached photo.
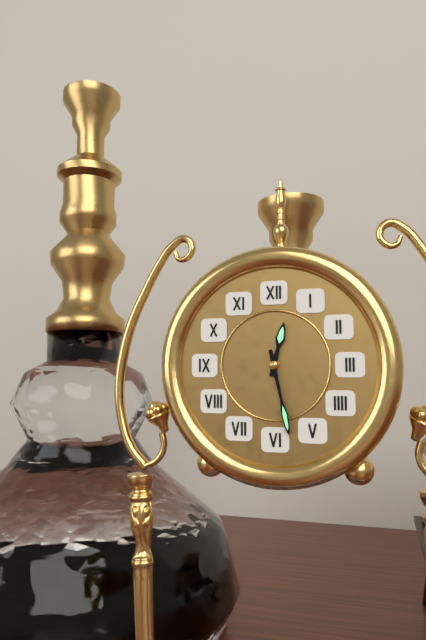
12:28
